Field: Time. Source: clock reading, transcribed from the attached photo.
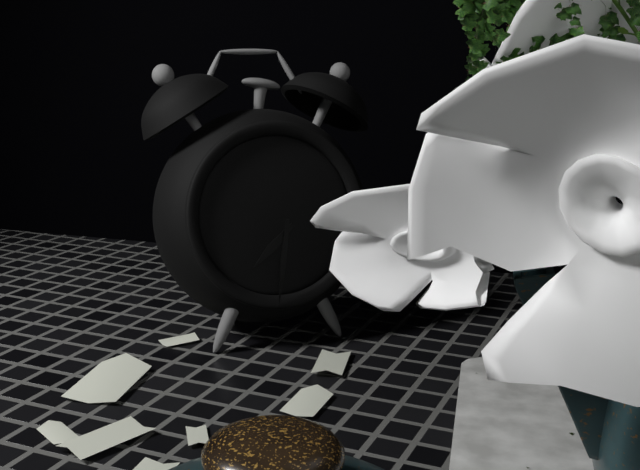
7:31
